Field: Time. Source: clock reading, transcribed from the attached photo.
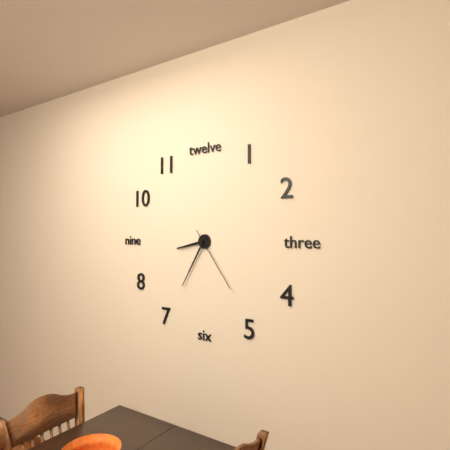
8:35:24
